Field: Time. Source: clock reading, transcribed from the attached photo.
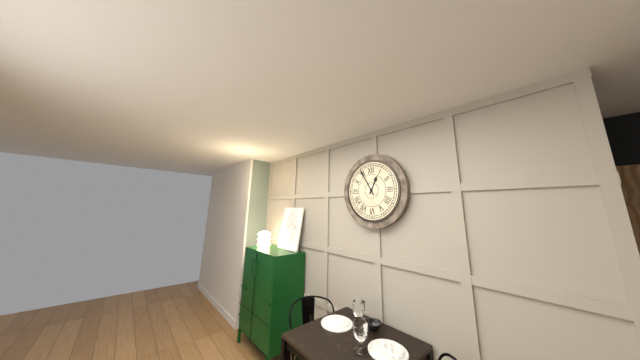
12:55
